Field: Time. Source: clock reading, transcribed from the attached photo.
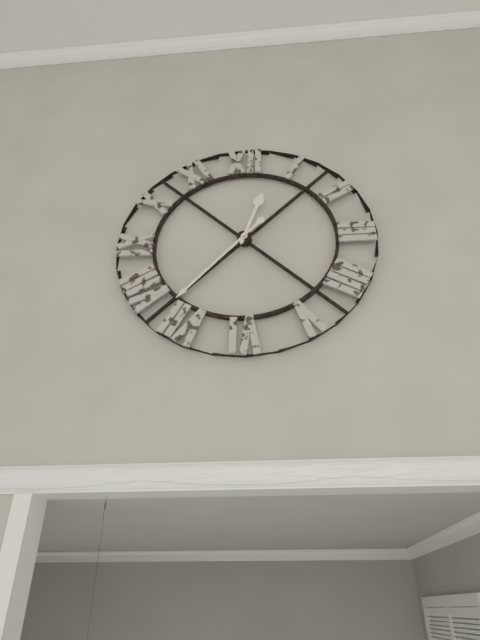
12:37
